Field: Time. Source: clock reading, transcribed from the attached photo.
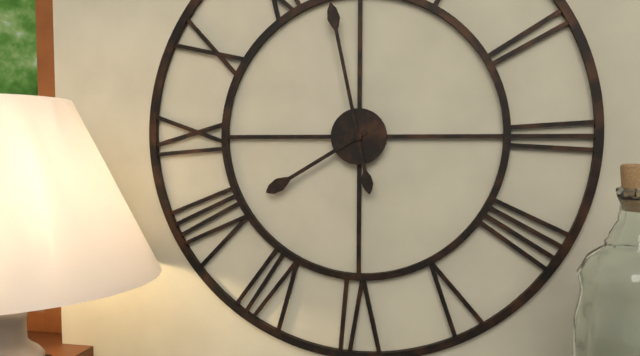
7:58
